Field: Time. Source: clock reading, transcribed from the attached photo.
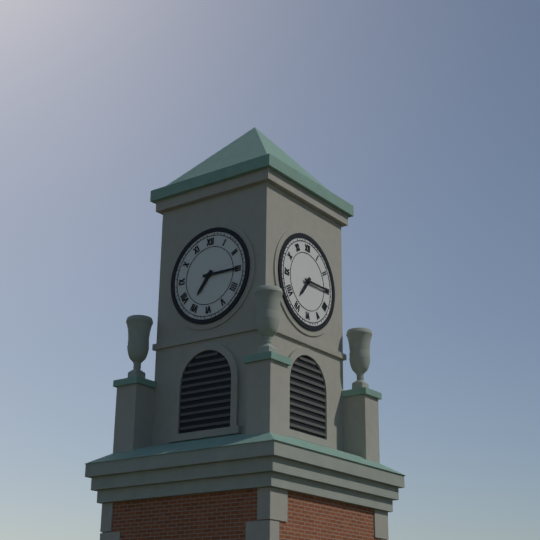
7:15
